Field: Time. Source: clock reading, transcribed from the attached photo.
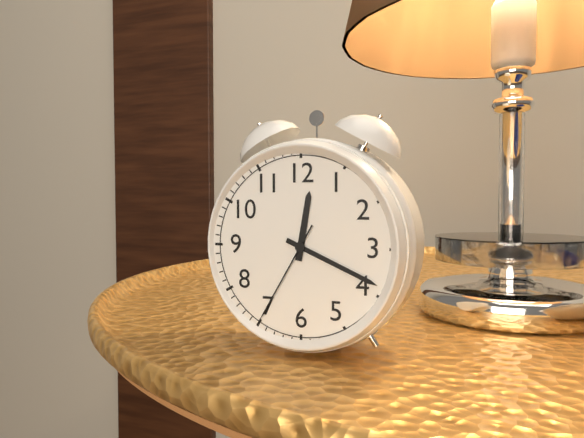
12:19:35
